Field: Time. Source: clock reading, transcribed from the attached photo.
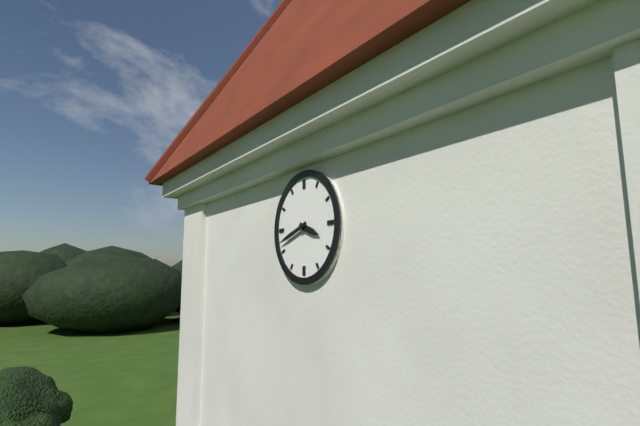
3:42
